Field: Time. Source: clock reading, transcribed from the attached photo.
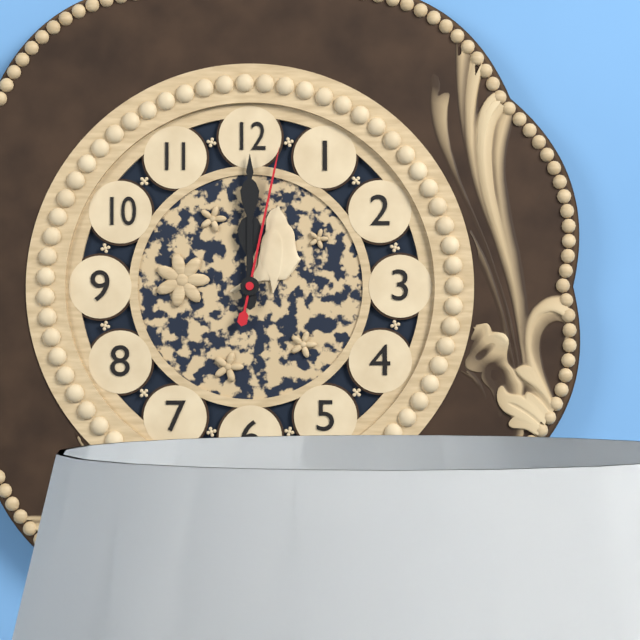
12:00:02
